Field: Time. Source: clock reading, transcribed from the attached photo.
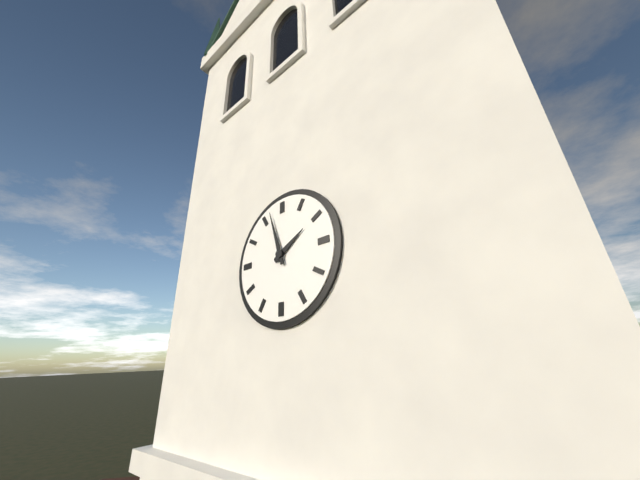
1:57
